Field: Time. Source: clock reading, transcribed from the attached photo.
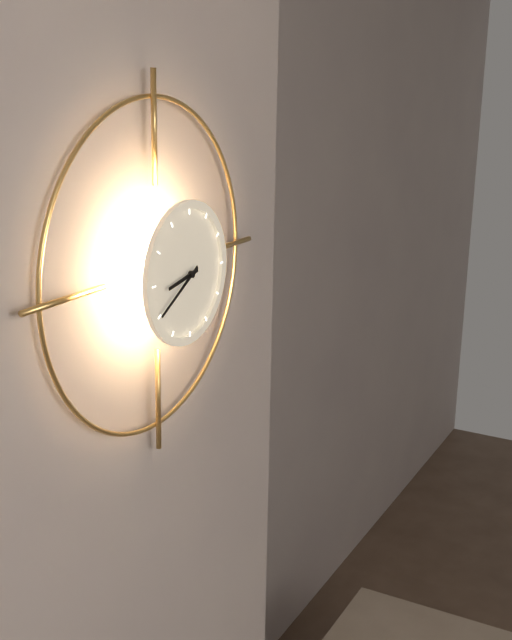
8:40
